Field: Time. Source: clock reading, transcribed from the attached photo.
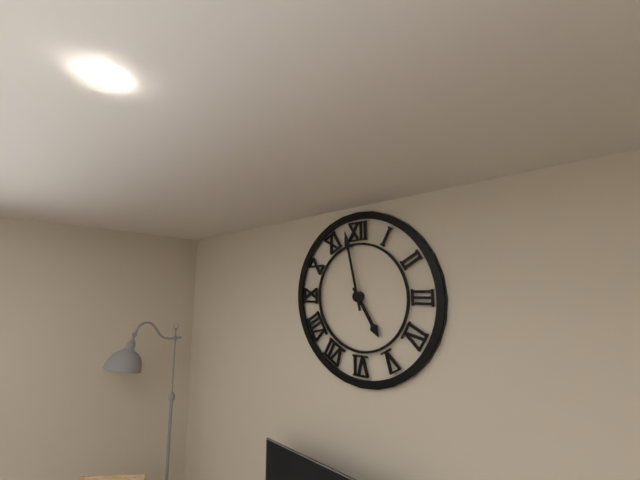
4:58
